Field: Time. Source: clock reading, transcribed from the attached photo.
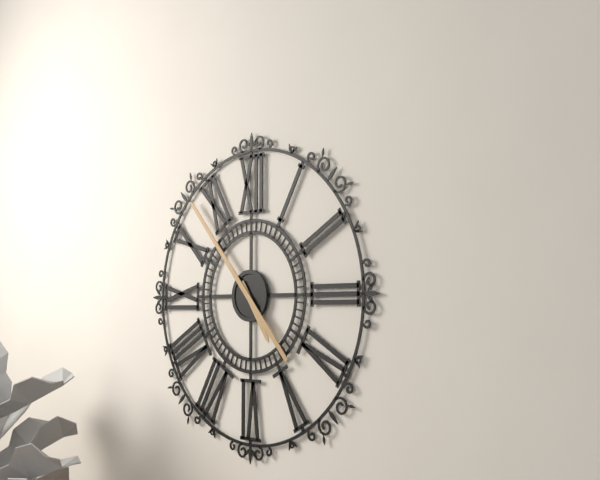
4:53
